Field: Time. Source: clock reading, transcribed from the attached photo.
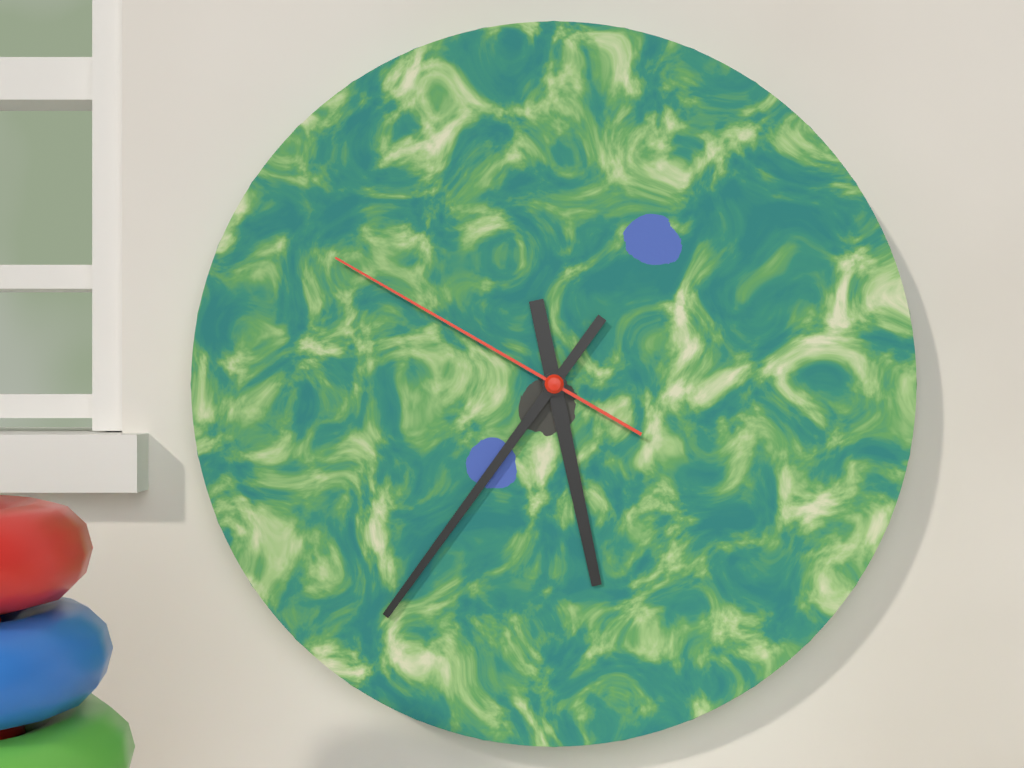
5:36:50
